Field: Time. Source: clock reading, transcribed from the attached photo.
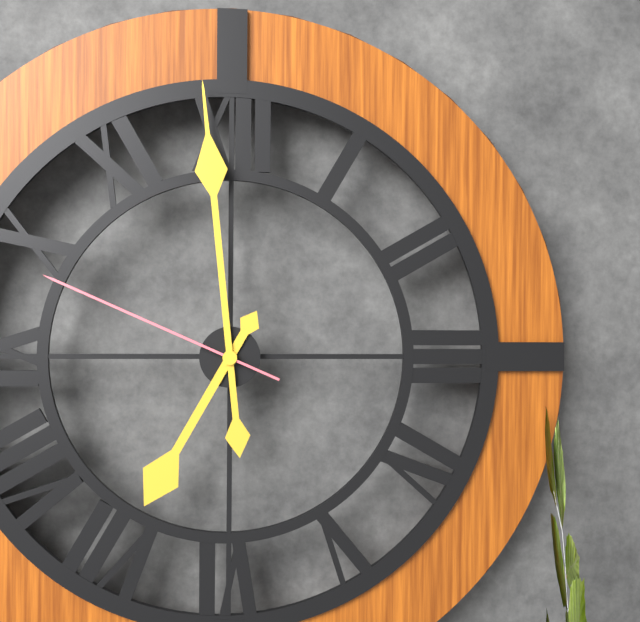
6:59:49
